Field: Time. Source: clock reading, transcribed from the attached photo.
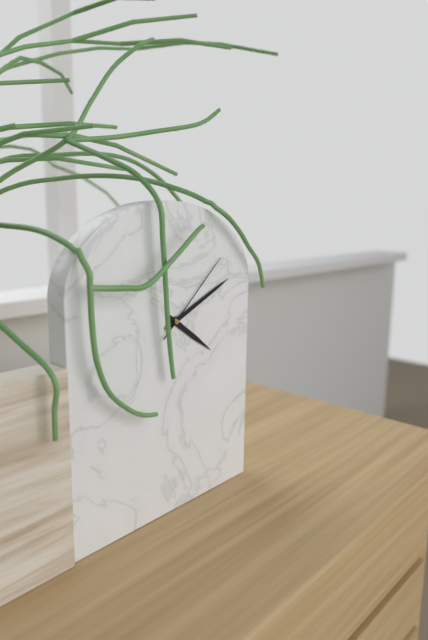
4:11:08
